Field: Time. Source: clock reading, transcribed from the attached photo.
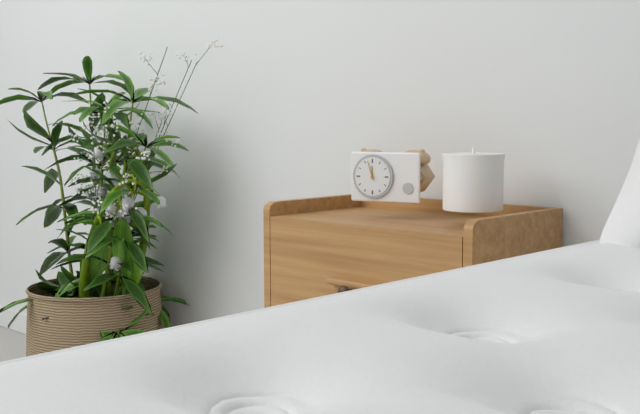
11:57
